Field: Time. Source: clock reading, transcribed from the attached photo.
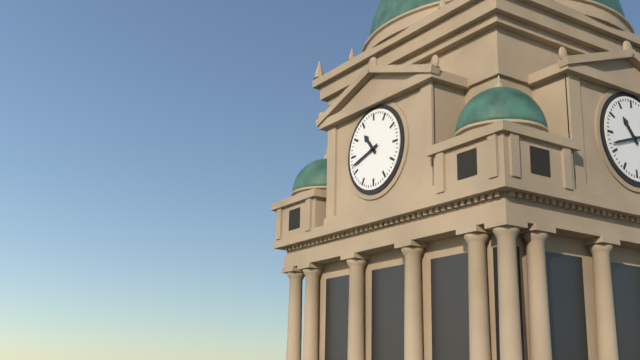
10:42
